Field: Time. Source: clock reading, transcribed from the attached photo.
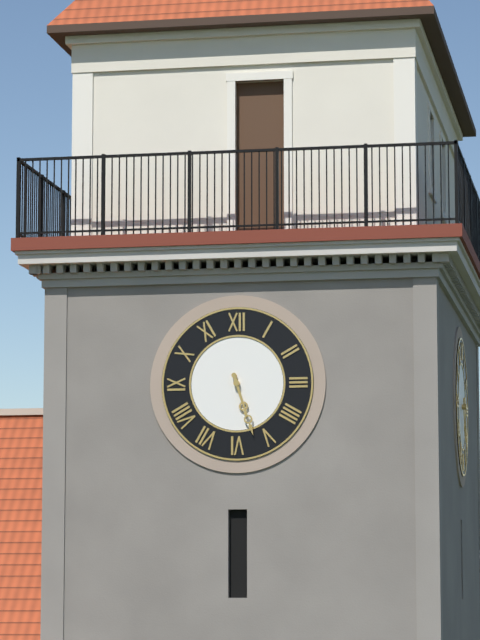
5:27
